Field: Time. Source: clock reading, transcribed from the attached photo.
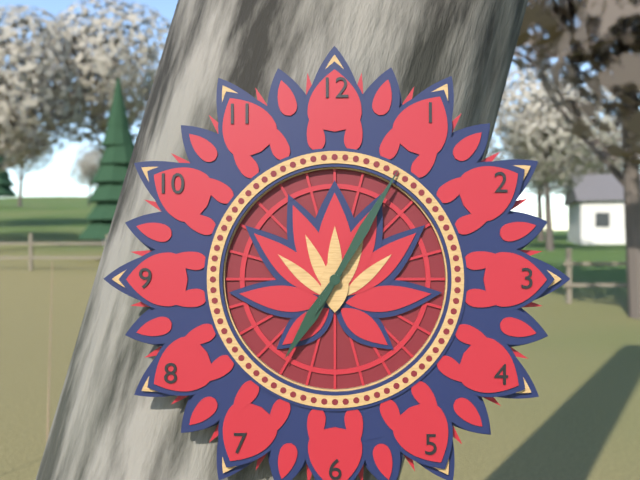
7:05
